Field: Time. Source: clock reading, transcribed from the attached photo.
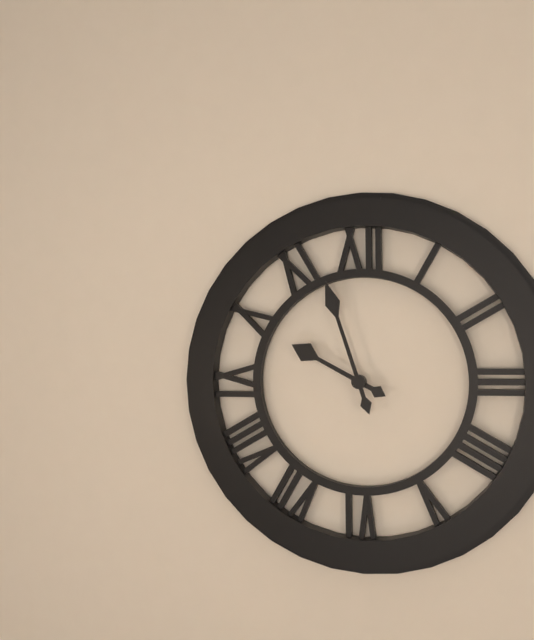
9:57
